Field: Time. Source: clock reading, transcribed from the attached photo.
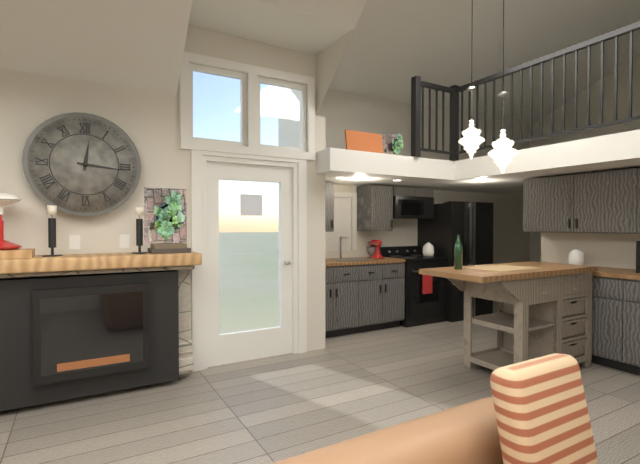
12:16
